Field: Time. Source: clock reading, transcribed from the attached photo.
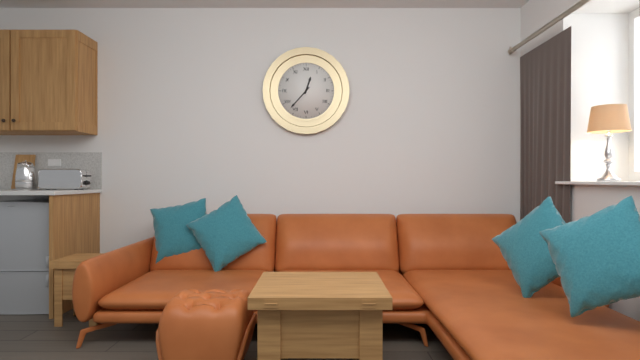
12:37
